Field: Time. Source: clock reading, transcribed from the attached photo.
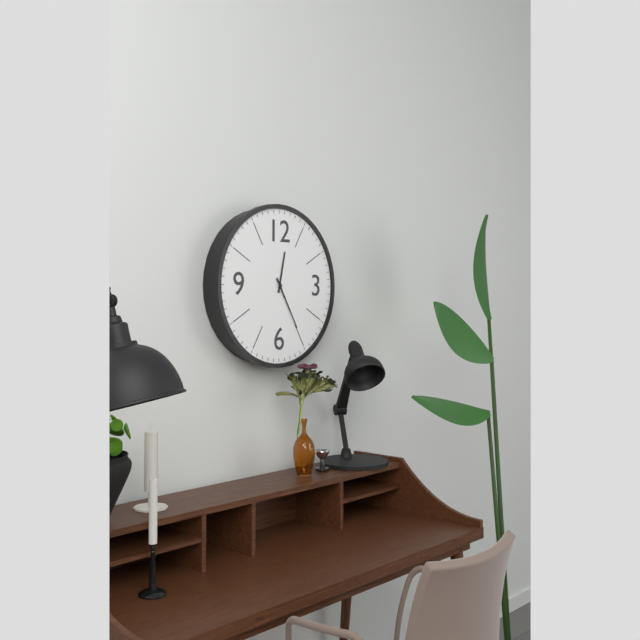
12:25
